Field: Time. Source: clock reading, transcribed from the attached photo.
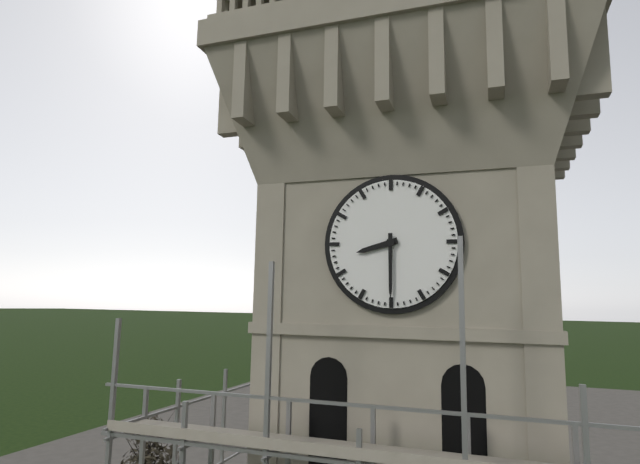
8:30
